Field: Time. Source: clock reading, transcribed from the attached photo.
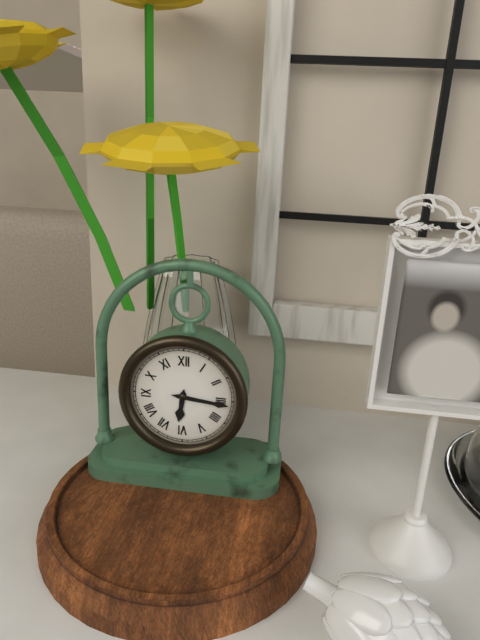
6:16
